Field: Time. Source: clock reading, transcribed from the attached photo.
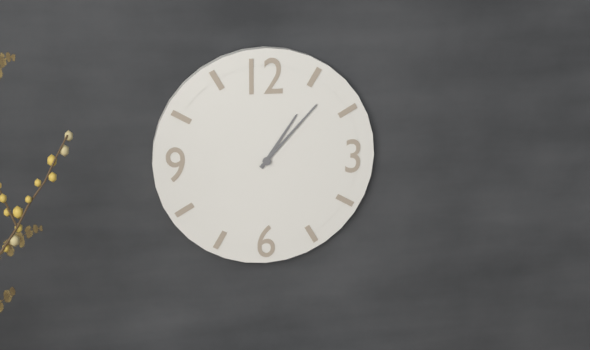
1:07
